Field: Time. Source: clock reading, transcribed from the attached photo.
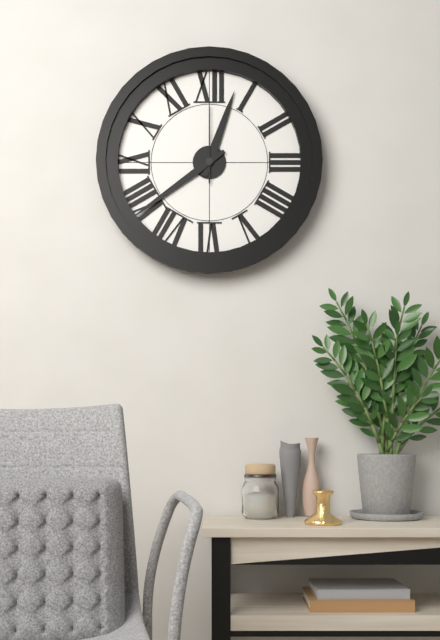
12:39:00
